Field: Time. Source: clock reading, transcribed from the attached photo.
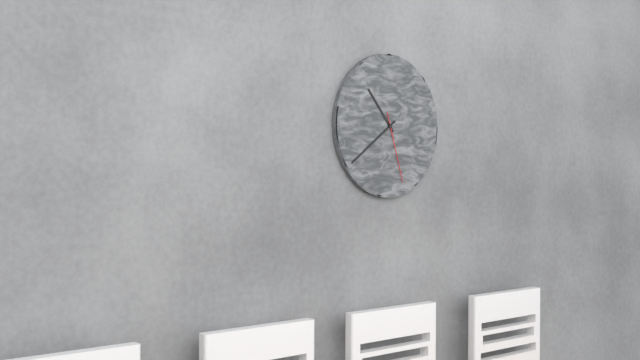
10:39:27
